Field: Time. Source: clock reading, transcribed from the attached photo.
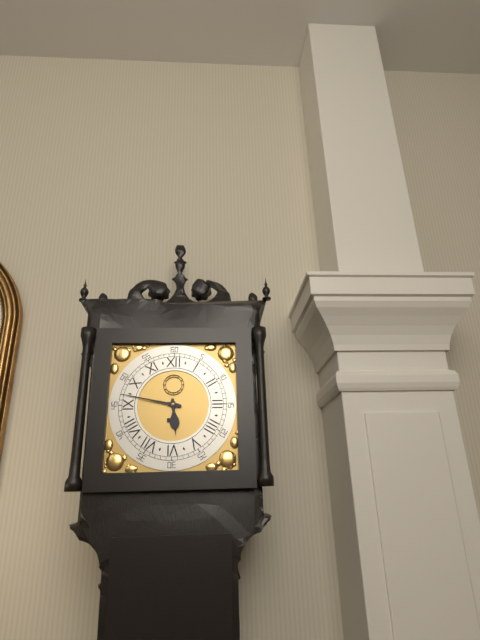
5:47
